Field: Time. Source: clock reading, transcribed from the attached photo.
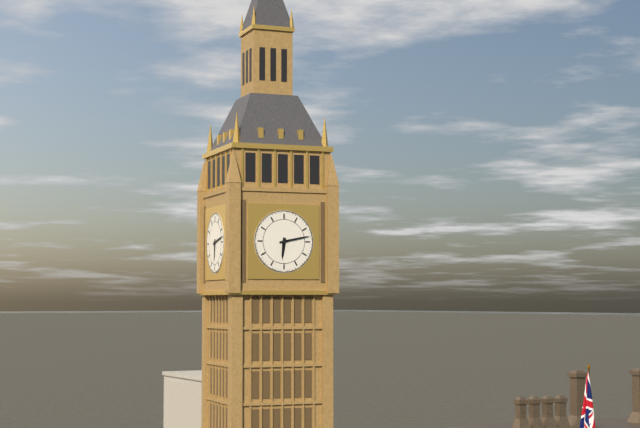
6:13
